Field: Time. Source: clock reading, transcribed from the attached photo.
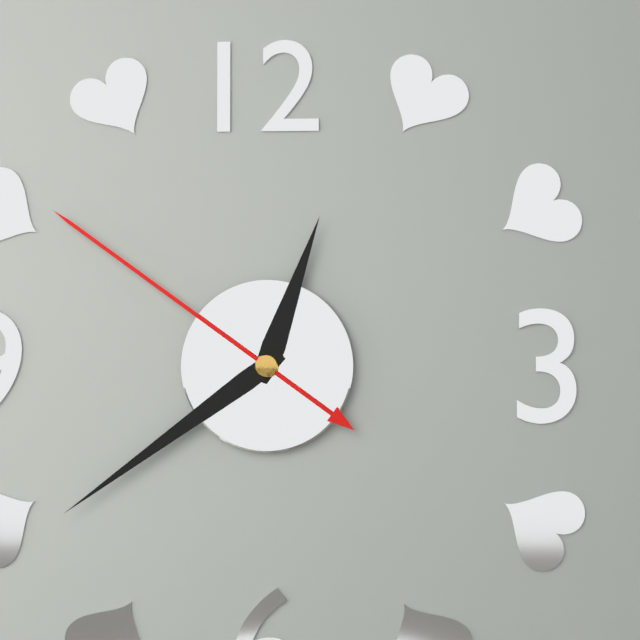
12:39:51
